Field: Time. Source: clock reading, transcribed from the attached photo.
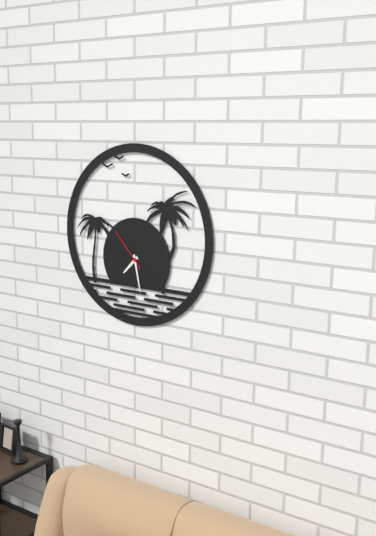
7:28
